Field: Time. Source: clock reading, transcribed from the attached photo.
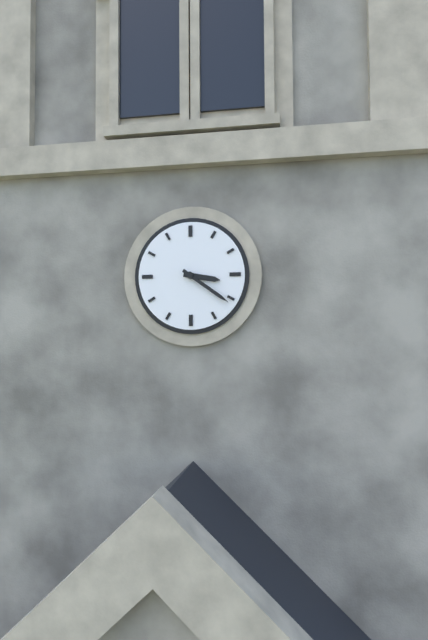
3:21
